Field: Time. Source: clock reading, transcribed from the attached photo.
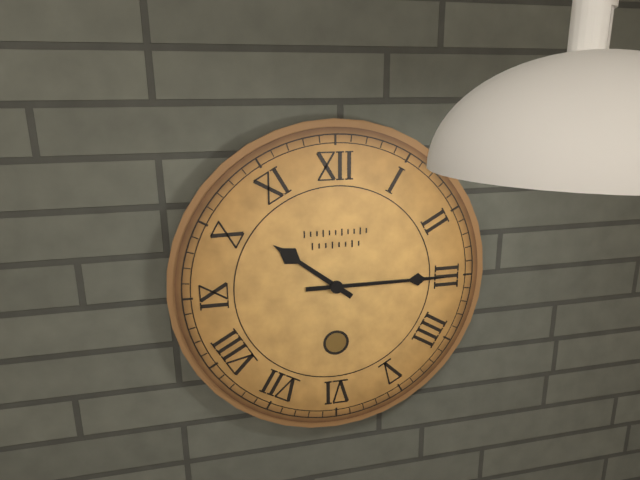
10:15
